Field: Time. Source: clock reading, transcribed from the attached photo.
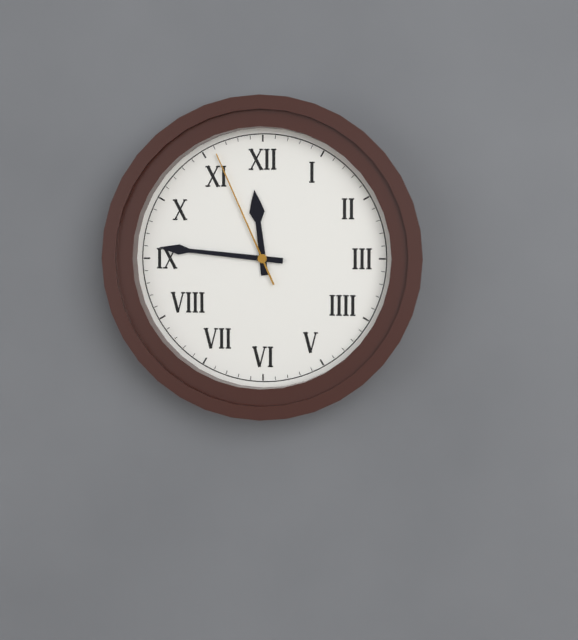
11:46:56
